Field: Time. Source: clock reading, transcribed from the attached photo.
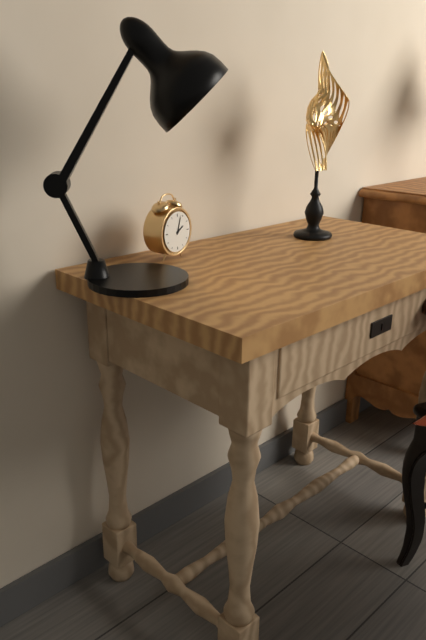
2:03
